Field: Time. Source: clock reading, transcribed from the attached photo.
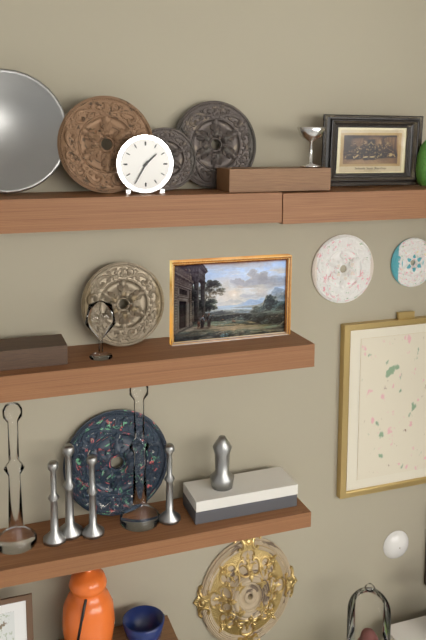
1:35
